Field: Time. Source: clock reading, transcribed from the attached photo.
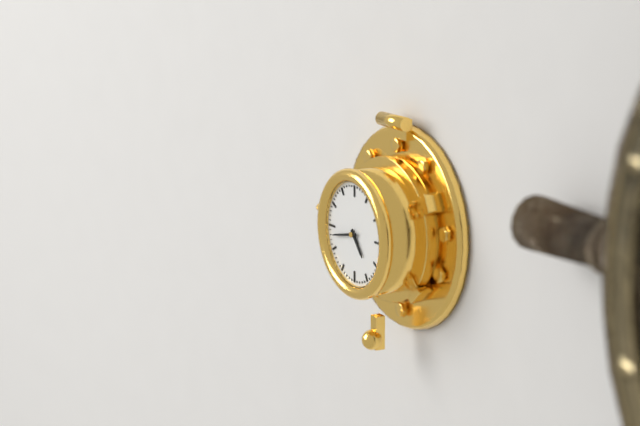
4:43
